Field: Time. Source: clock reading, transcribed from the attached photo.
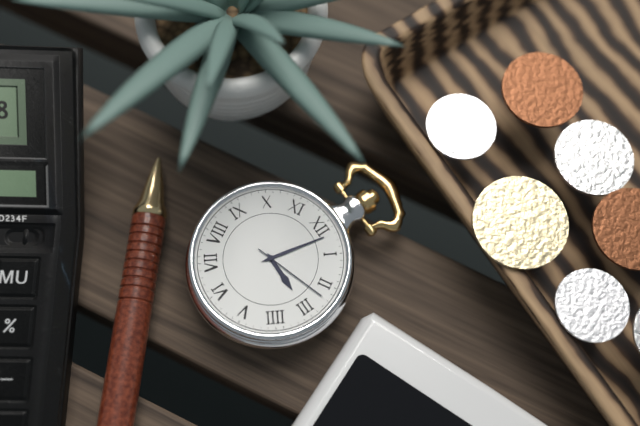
3:02:12
